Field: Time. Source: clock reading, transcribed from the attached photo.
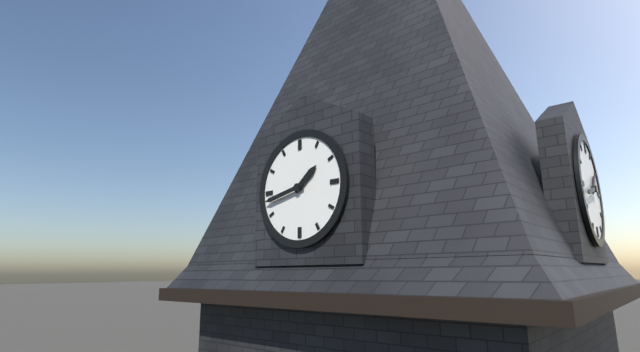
1:43
